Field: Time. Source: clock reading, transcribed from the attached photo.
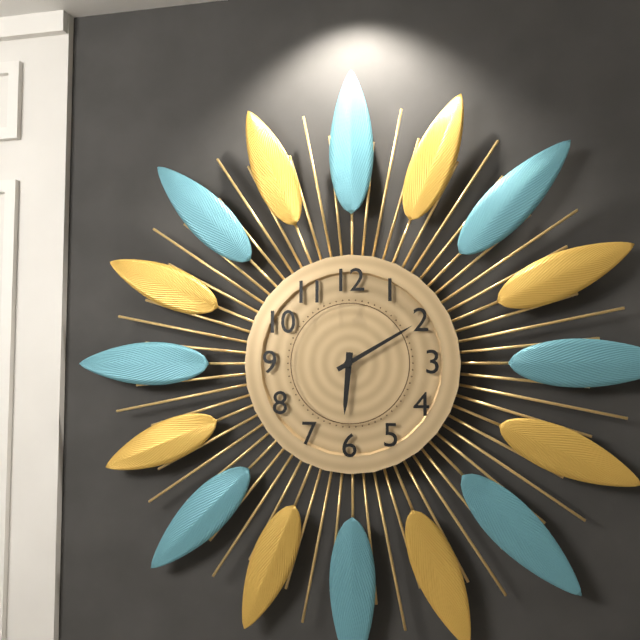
6:10
